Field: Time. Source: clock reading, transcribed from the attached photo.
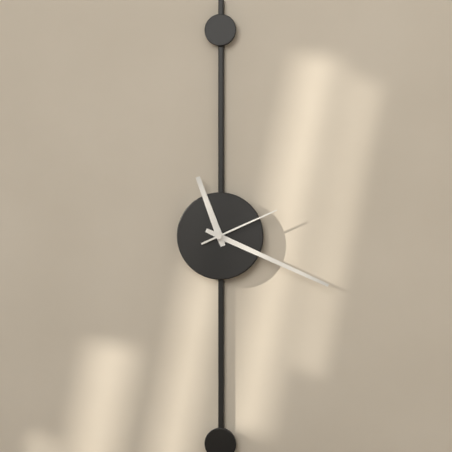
11:19:11
